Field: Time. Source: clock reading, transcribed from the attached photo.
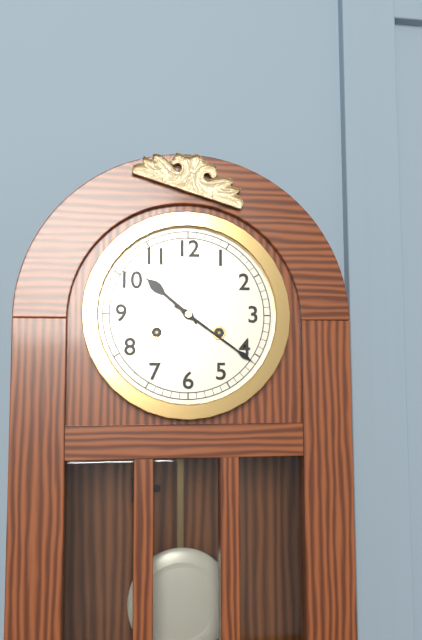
10:21
